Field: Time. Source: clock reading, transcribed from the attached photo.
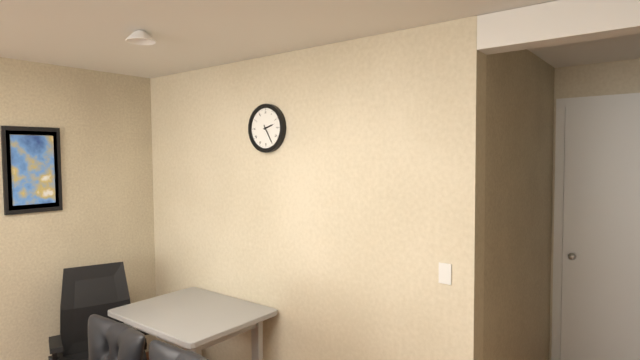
2:25
